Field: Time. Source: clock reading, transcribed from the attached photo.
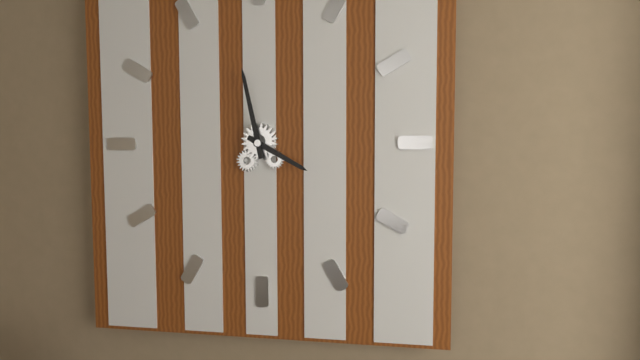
3:58
